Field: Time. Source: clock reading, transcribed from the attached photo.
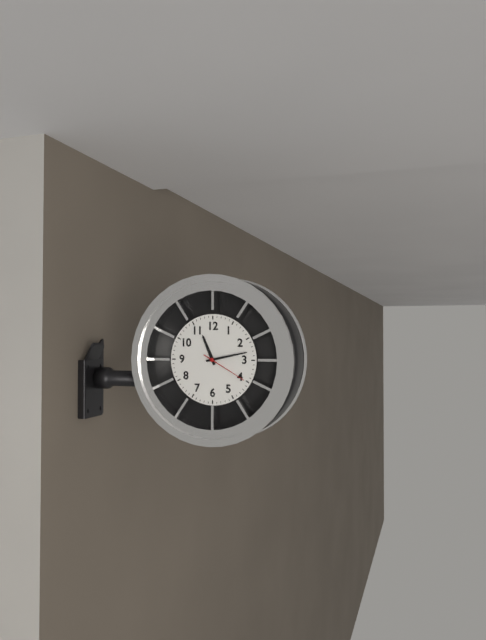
11:13
